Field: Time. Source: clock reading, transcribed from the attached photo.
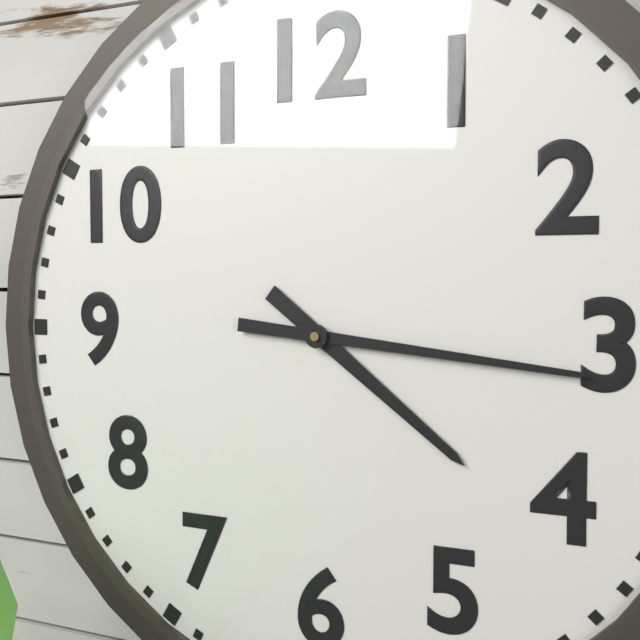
4:16
